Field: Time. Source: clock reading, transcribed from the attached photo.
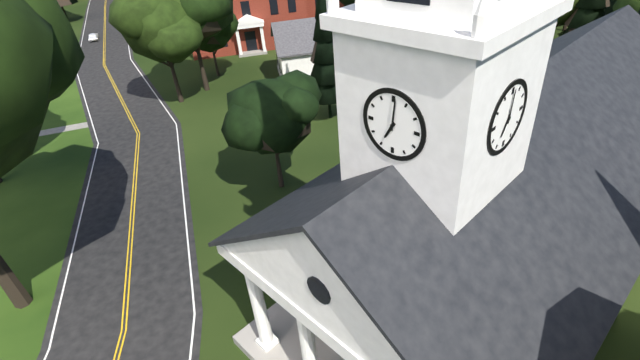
7:01
